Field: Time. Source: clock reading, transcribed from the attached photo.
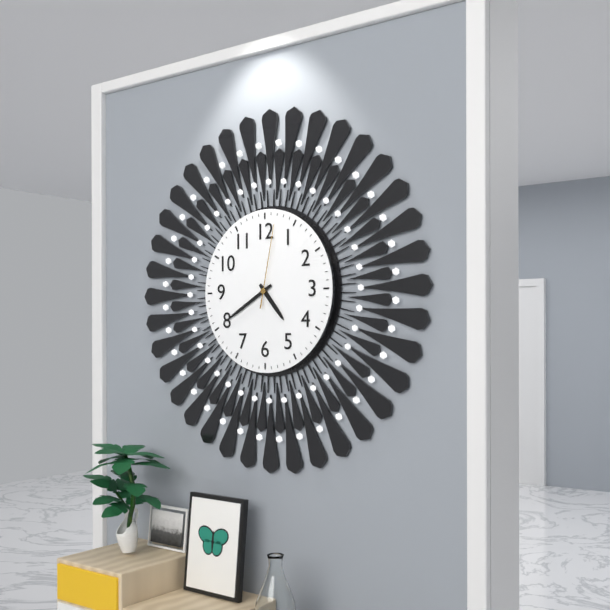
4:40:02
